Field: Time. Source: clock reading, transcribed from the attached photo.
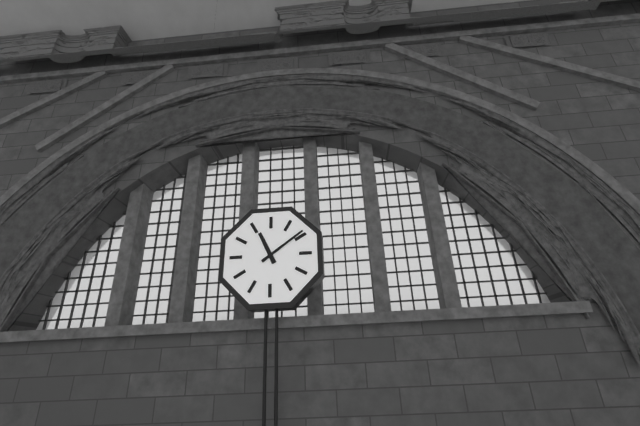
11:09
